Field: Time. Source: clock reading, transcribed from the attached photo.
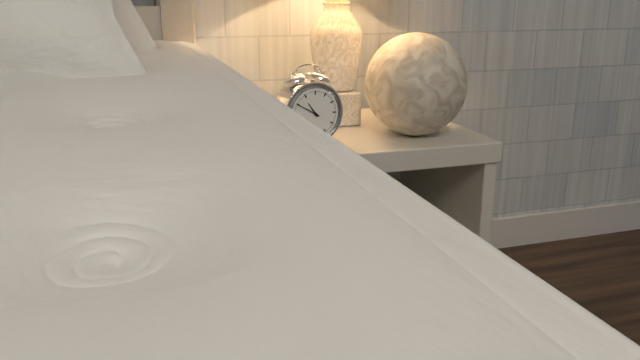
10:50
